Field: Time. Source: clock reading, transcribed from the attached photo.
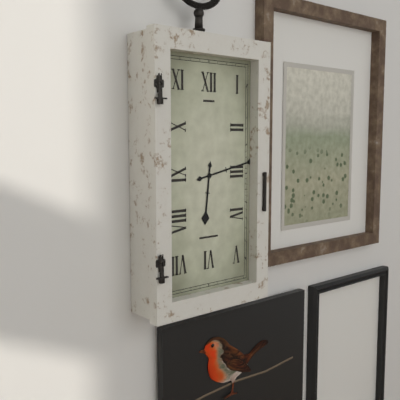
6:13
